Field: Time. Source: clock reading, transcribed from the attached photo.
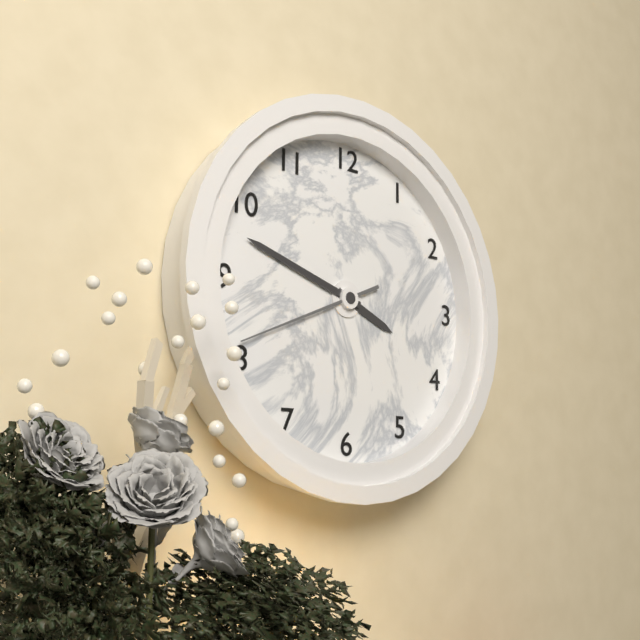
3:48:41
